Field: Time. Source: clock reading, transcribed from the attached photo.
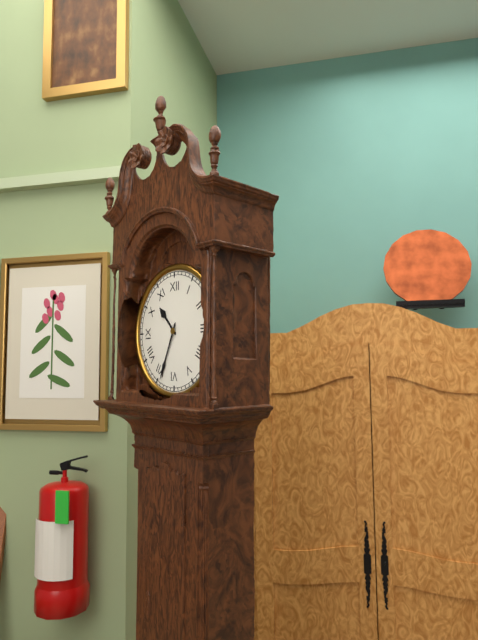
10:34
